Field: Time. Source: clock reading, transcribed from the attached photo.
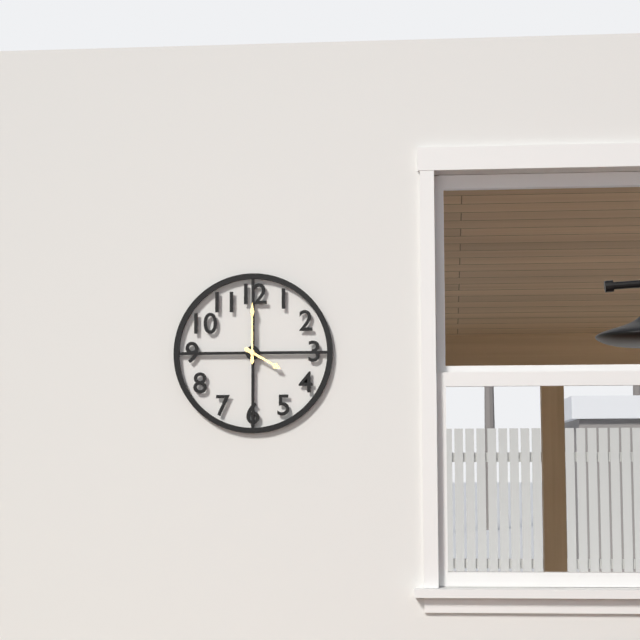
4:00
